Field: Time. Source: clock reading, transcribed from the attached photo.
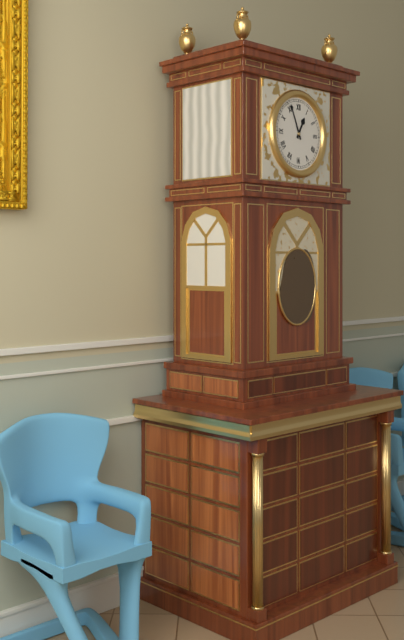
12:56
